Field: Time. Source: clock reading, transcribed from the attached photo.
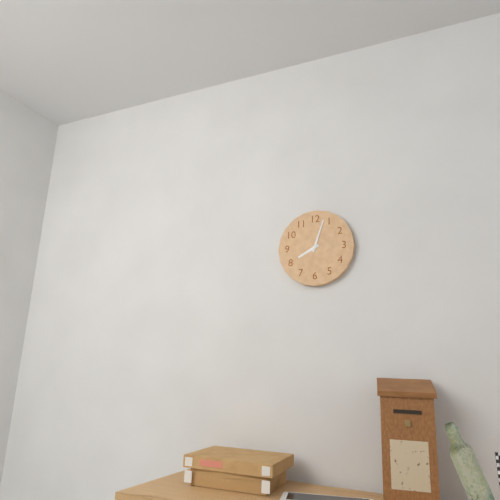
8:03
